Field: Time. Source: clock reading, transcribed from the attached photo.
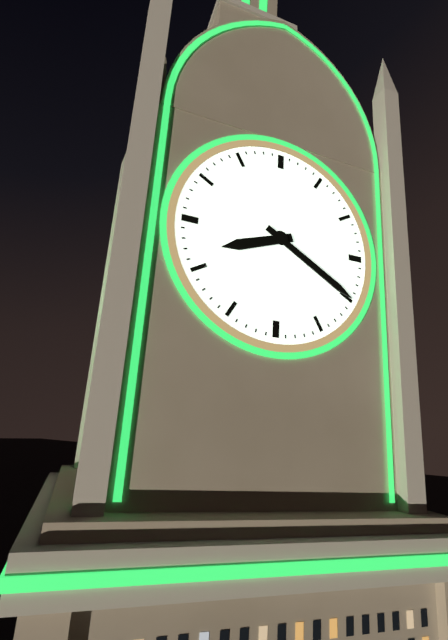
8:20
